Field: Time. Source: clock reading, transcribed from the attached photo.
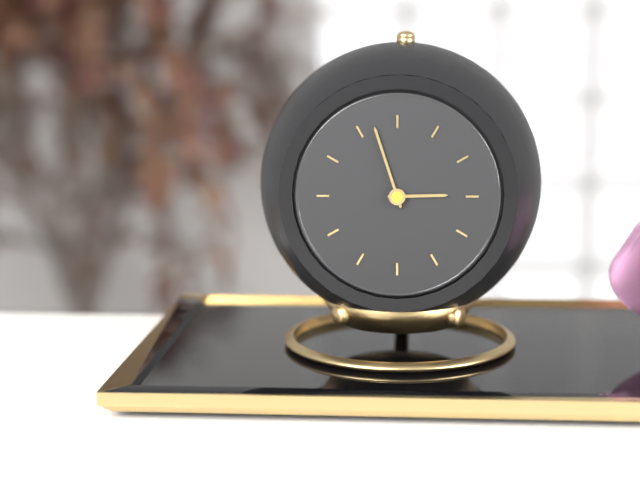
2:57
